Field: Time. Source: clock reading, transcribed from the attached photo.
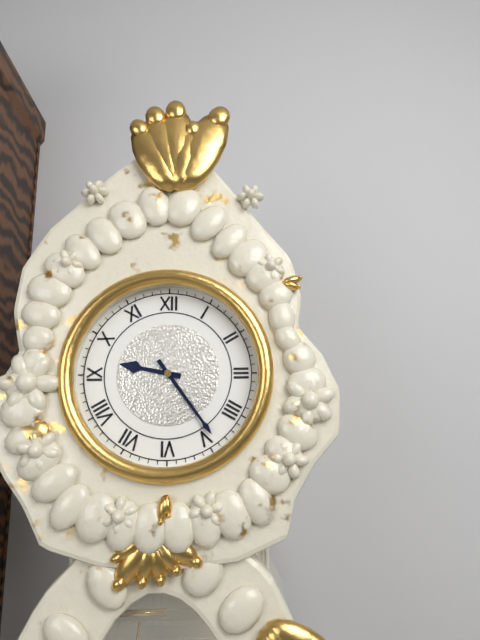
9:24
